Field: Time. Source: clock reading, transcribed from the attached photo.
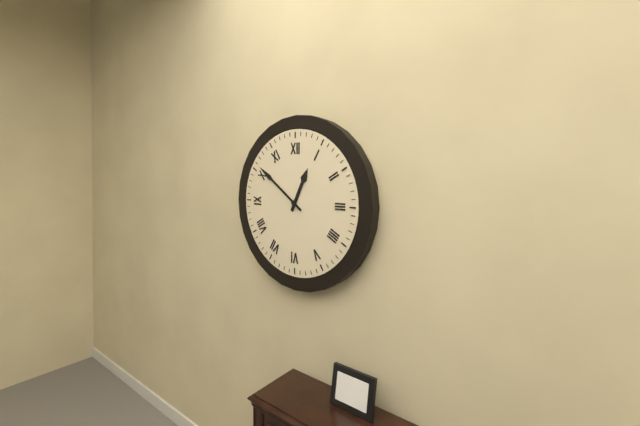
12:51
